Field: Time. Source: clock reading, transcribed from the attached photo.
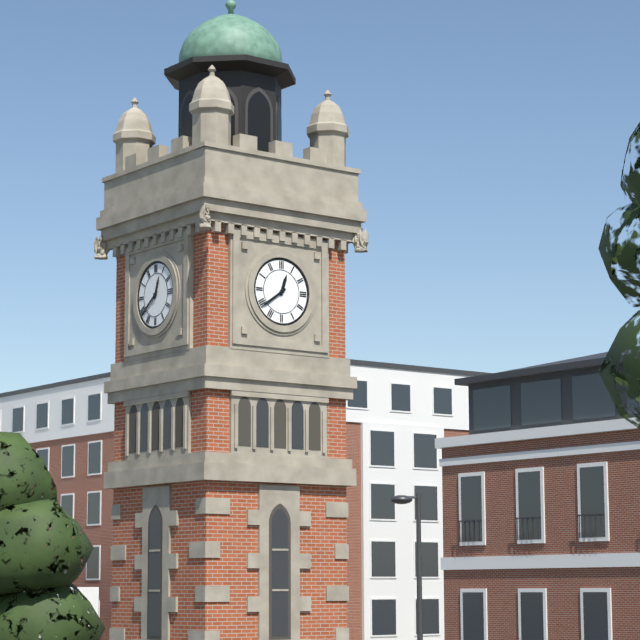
12:39
